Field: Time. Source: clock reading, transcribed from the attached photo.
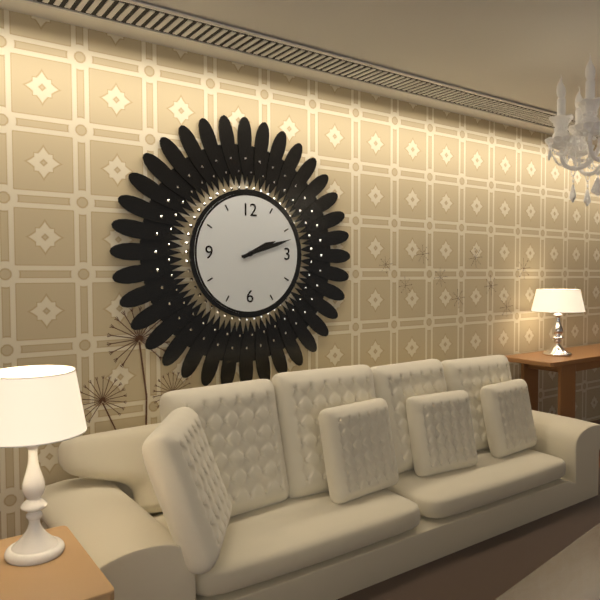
2:12
